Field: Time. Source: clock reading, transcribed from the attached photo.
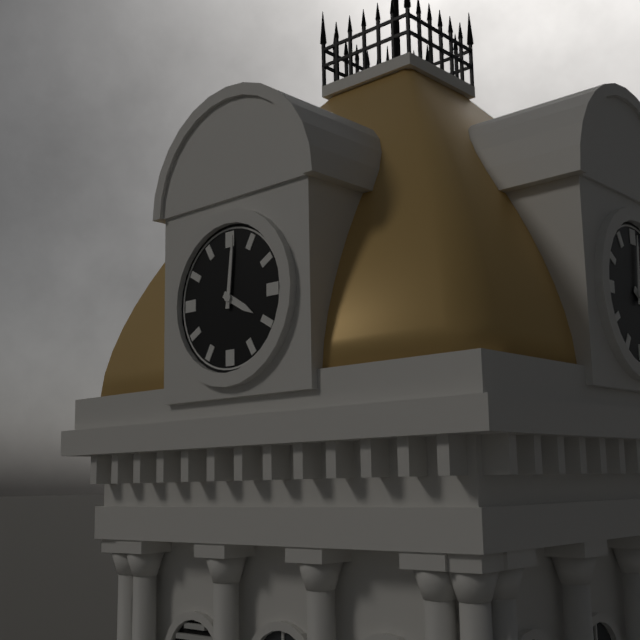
4:01
